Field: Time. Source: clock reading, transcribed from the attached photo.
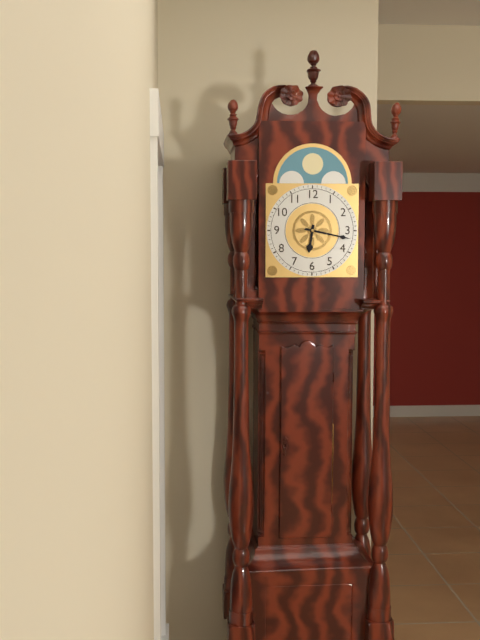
6:17
